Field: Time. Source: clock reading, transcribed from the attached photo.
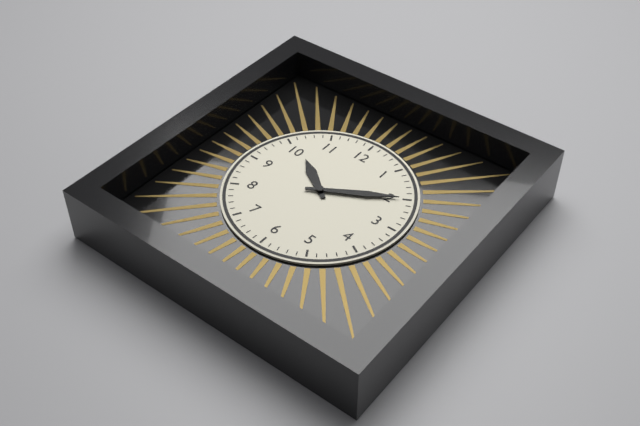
10:10
